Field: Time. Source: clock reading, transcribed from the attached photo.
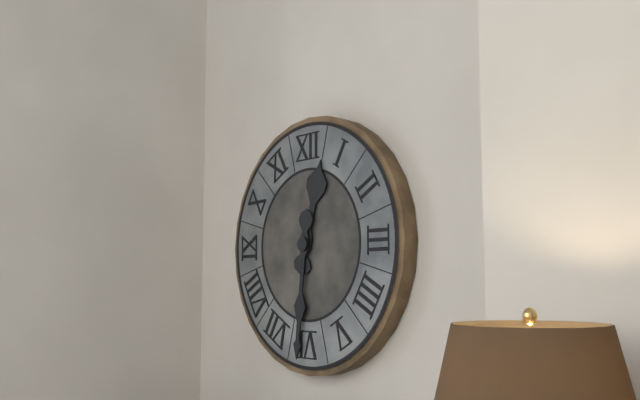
12:31
